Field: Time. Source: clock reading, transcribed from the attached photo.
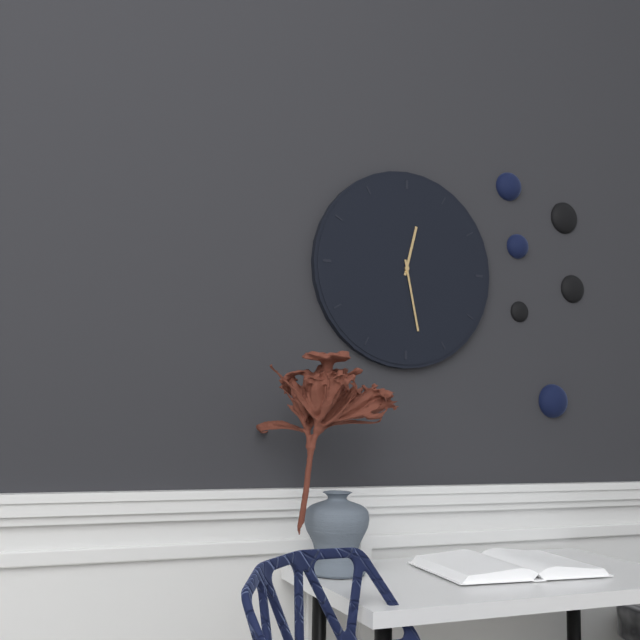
12:28
